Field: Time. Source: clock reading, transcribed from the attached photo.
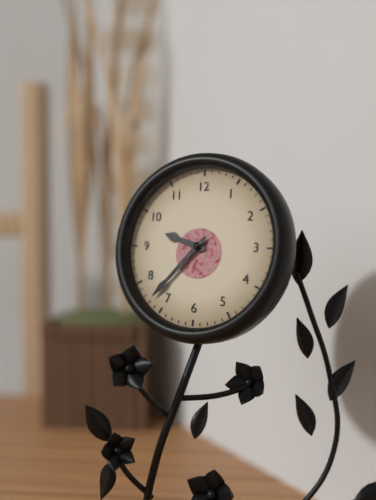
9:37
